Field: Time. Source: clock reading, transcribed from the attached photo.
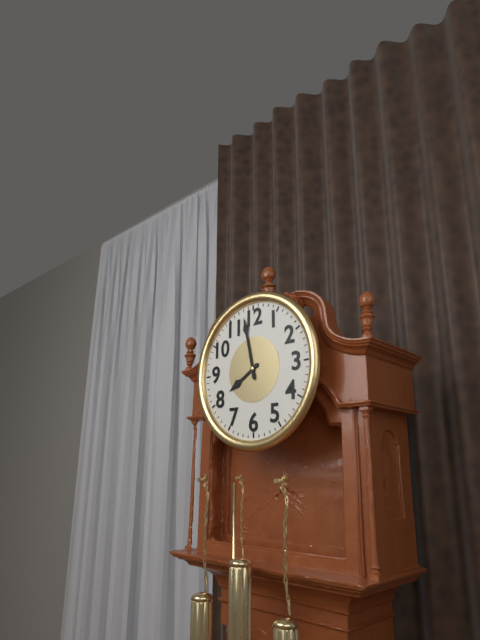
7:58
